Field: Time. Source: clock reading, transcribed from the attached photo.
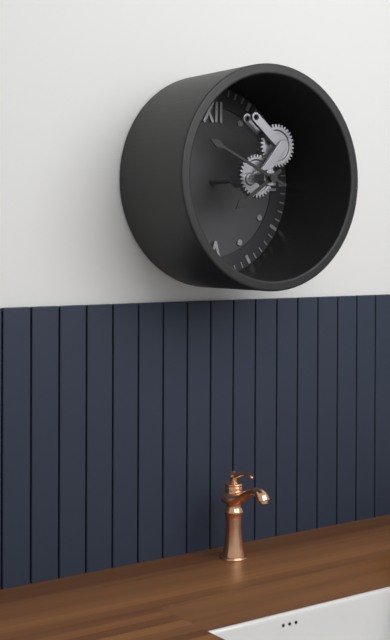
7:49
